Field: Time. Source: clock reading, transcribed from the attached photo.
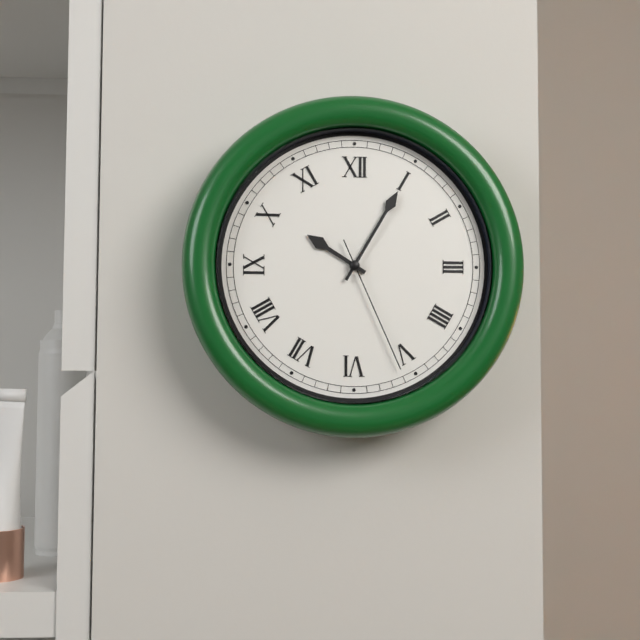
10:05:26
